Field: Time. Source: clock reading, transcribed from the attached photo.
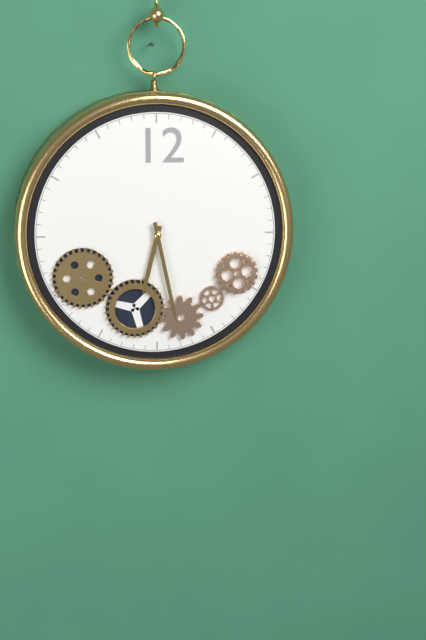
6:28
